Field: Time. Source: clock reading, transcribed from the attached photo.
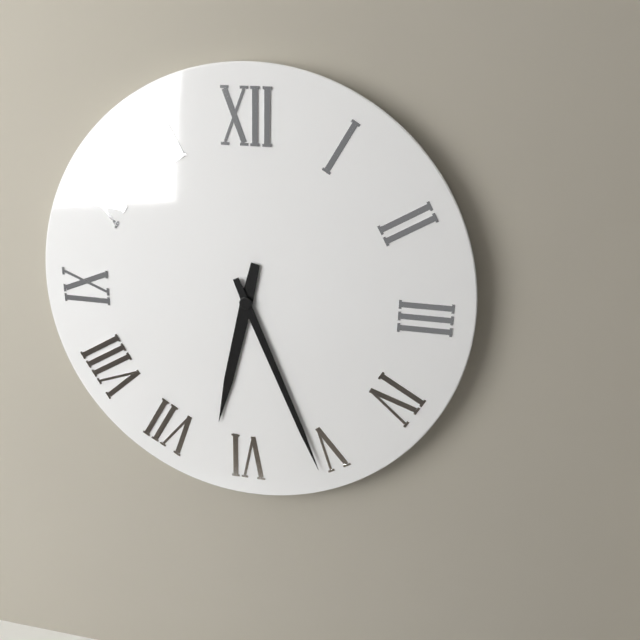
6:26
